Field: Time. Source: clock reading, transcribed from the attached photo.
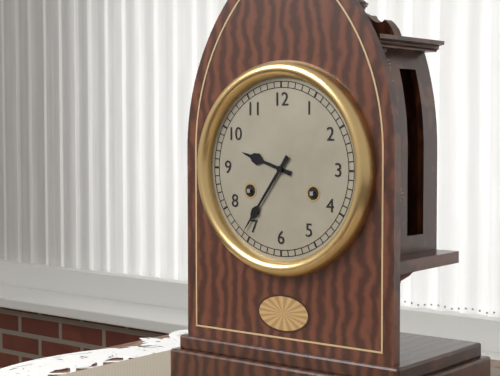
9:36
